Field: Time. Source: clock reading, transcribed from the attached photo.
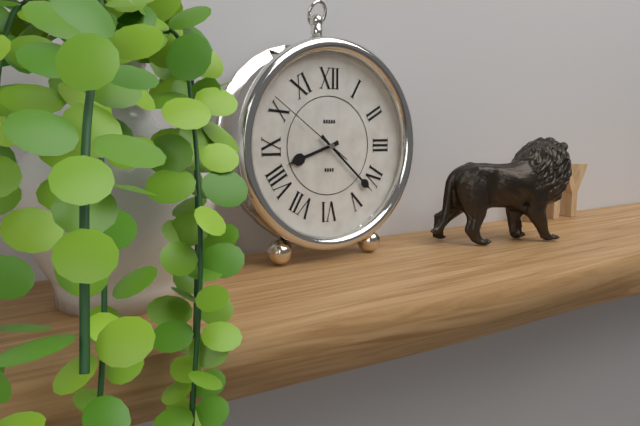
8:22:51
